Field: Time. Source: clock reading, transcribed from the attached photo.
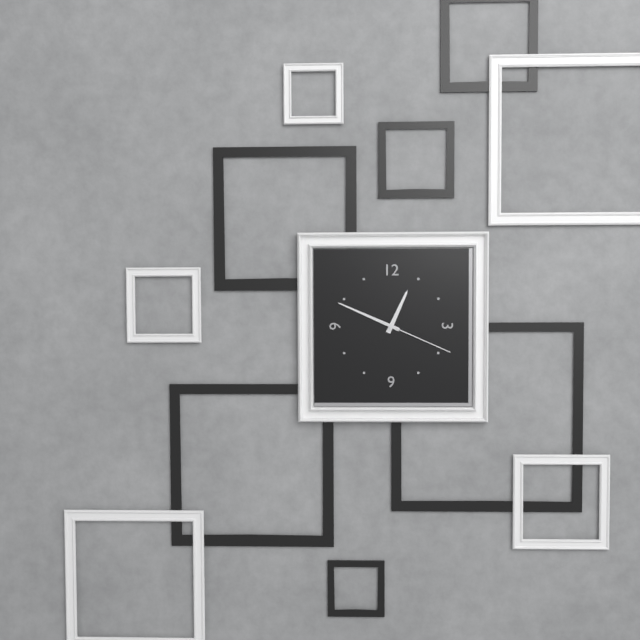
12:49:19
